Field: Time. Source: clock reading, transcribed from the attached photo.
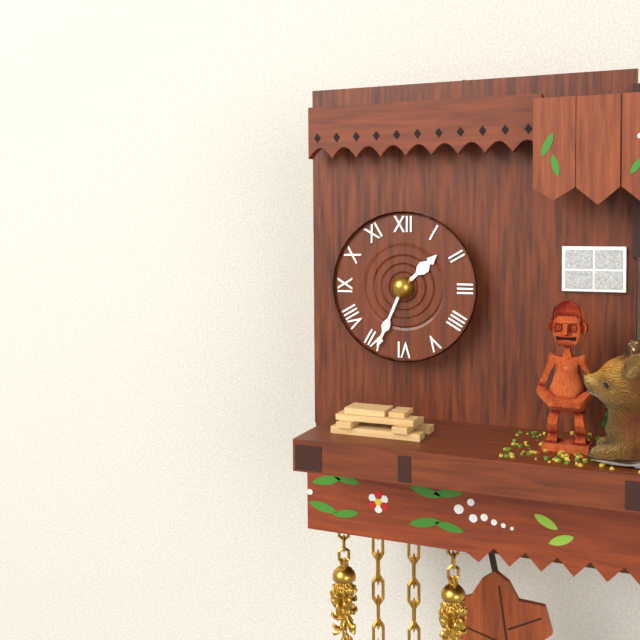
1:34
